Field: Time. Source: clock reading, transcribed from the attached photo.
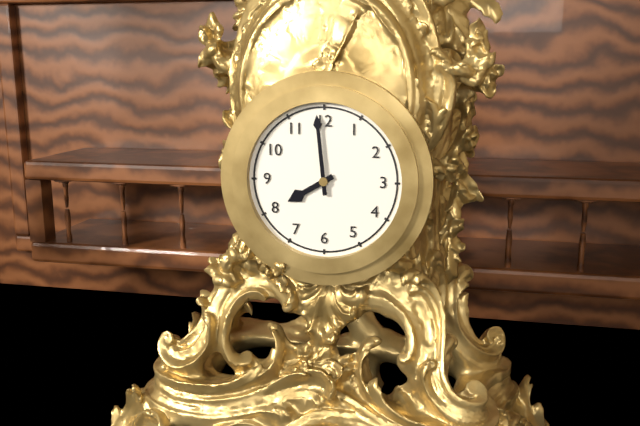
7:59
